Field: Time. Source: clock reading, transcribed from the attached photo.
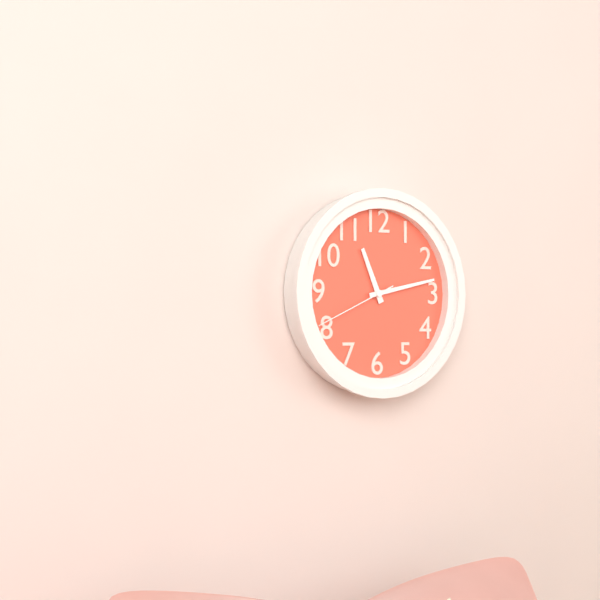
11:13:41
